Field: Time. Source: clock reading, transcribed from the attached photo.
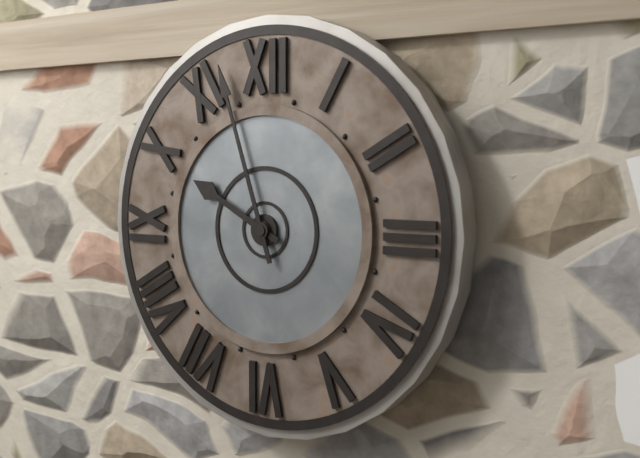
9:57
